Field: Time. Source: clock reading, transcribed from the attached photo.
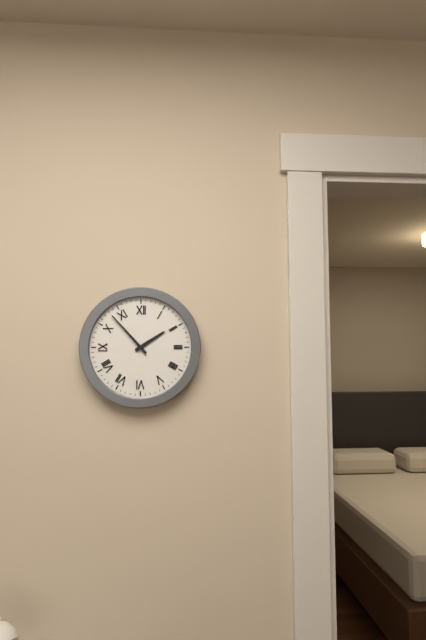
1:53
